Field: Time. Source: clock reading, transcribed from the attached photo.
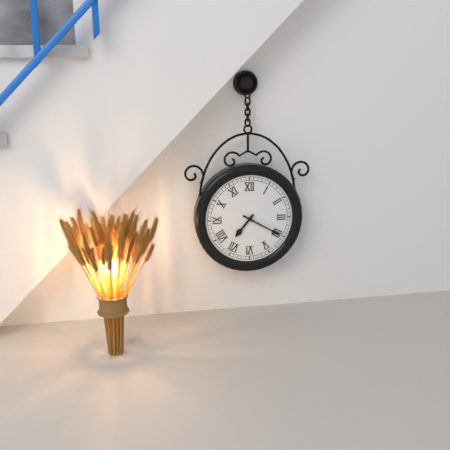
7:20
